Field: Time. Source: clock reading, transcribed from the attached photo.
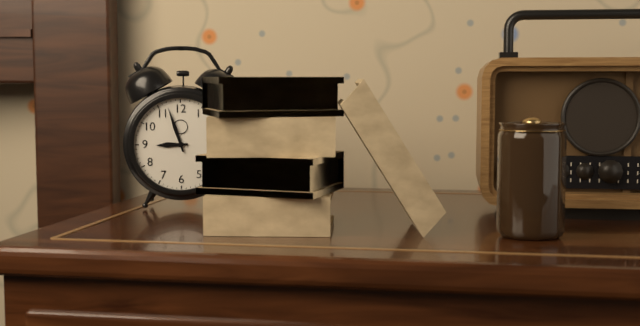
8:57
